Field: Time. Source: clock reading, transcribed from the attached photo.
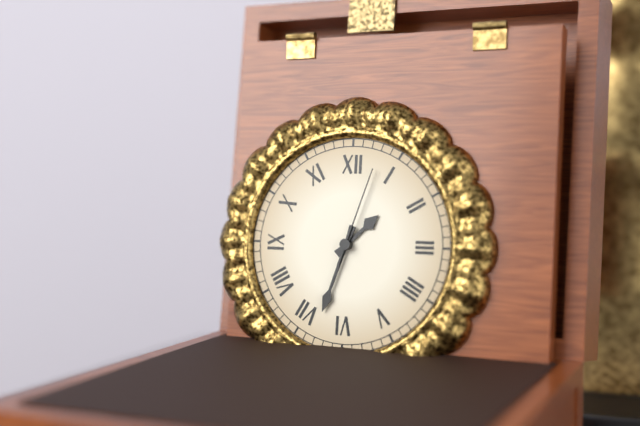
1:33:03
